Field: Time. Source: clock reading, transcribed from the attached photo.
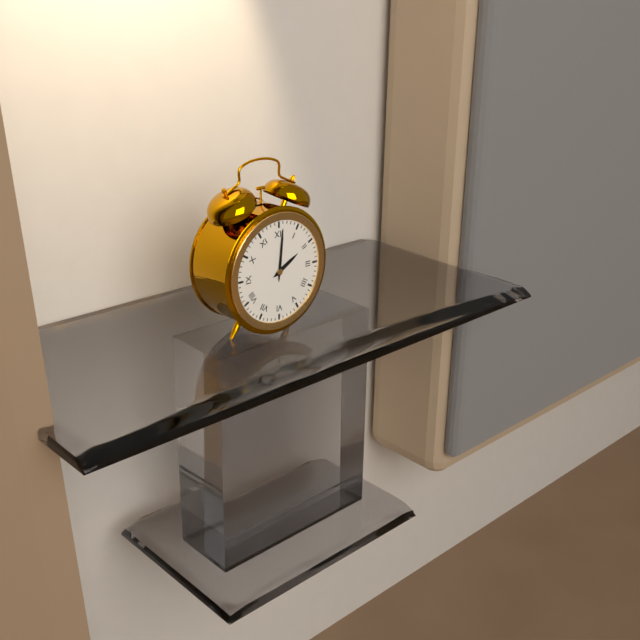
2:01
